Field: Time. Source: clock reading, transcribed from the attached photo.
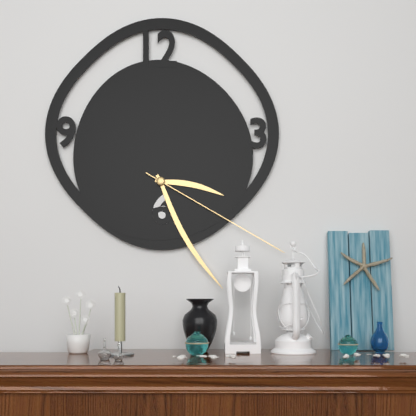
3:25:20
